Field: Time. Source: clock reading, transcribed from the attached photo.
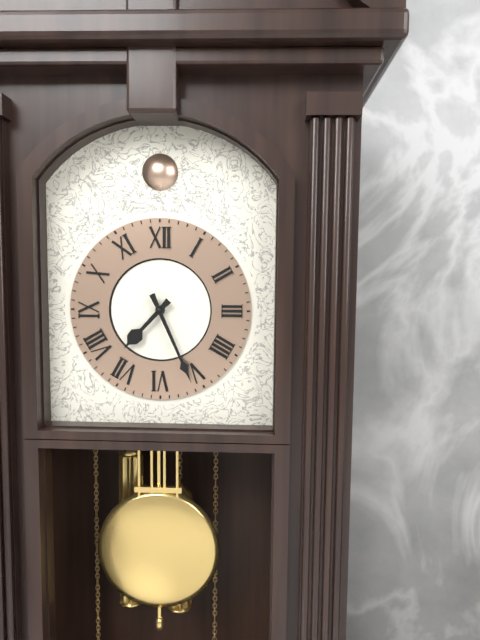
7:26
